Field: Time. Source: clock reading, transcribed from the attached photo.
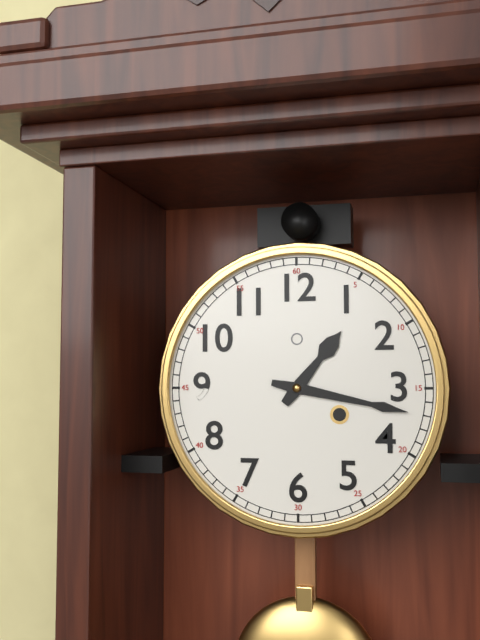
1:17
